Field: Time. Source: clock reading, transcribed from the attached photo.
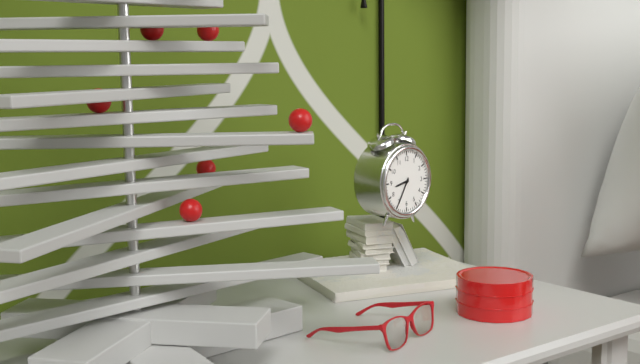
8:35
